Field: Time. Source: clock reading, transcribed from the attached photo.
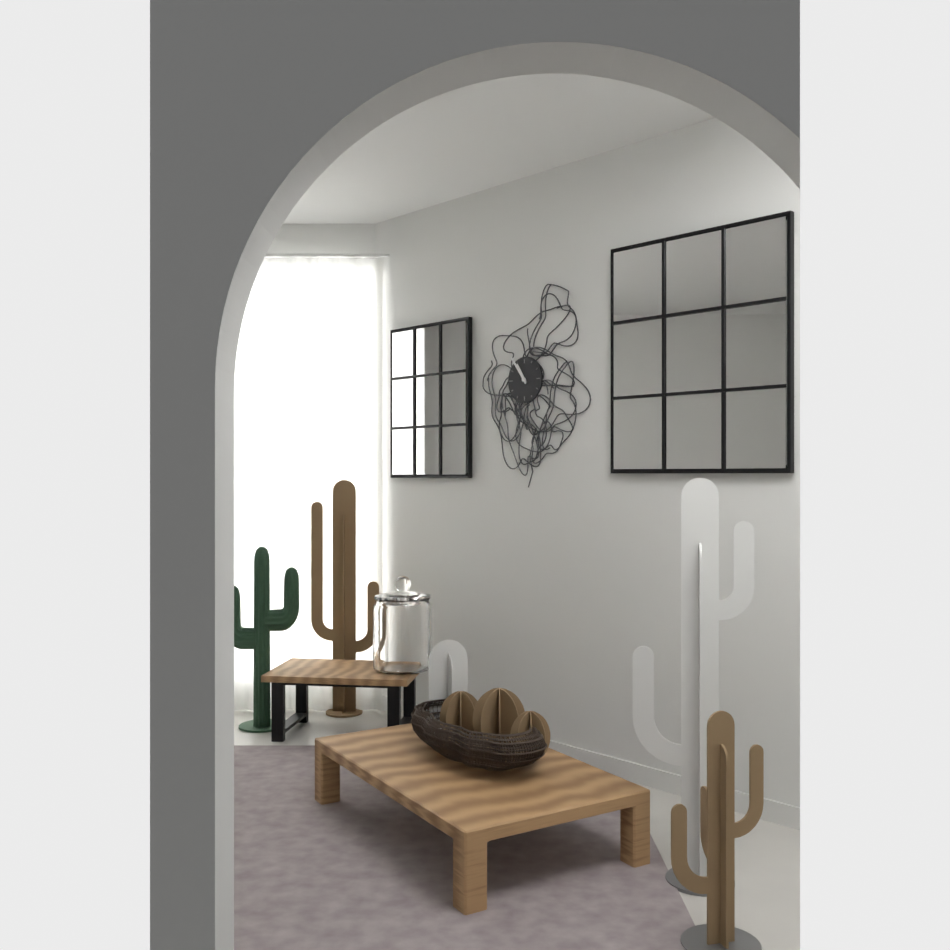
10:54
